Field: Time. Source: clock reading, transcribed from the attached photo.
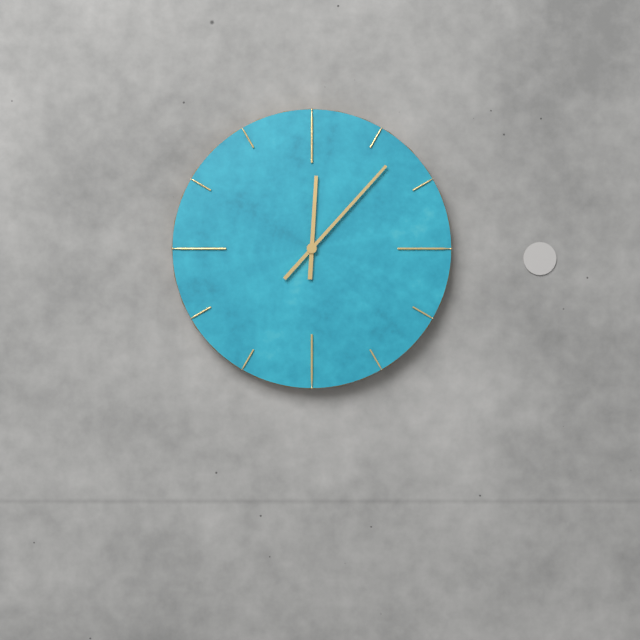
12:07
